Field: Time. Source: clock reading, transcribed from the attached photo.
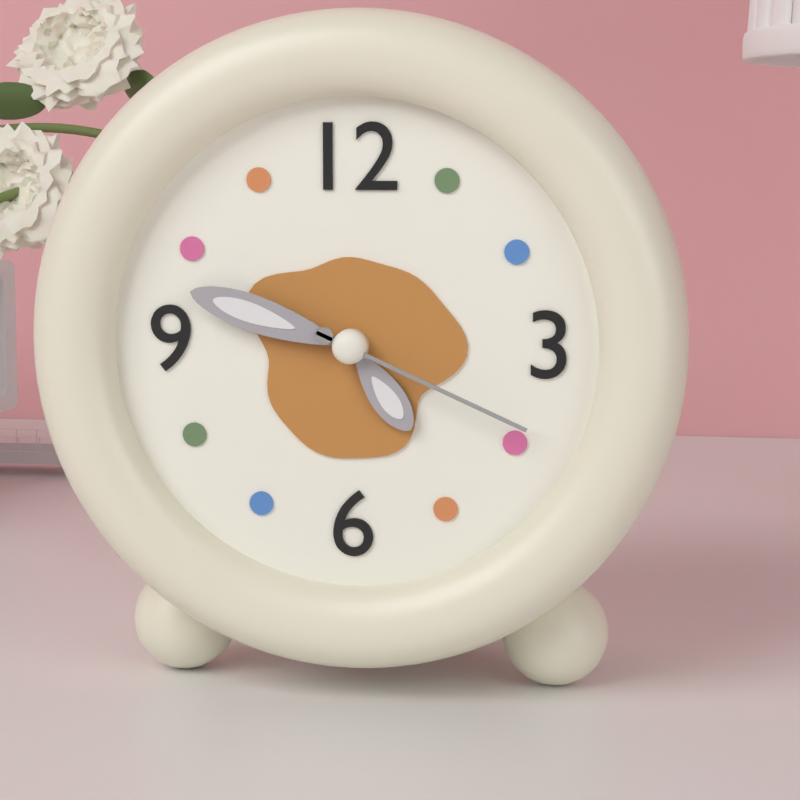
4:48:19
